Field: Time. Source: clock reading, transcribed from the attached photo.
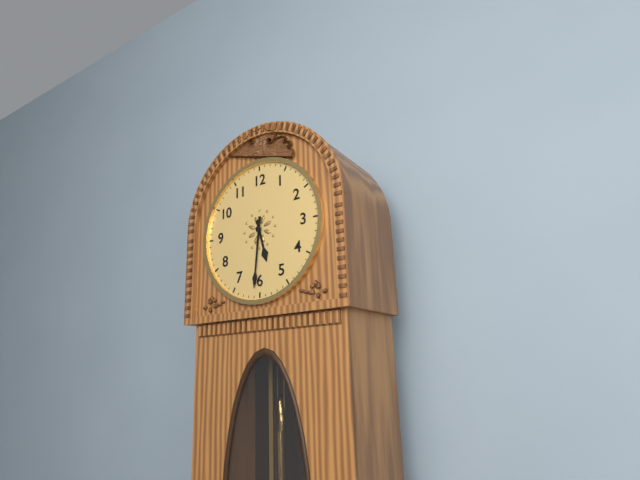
5:31
